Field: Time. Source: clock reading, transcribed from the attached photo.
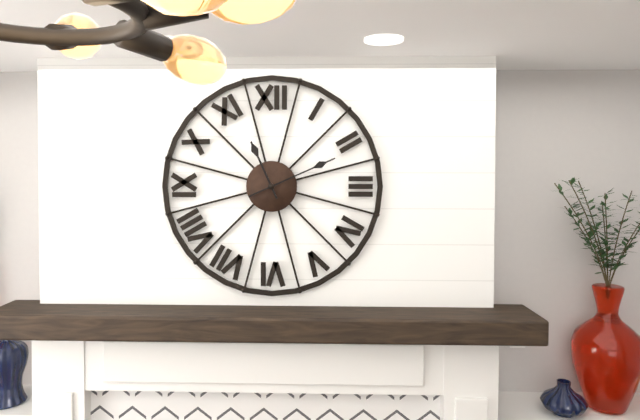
11:11
